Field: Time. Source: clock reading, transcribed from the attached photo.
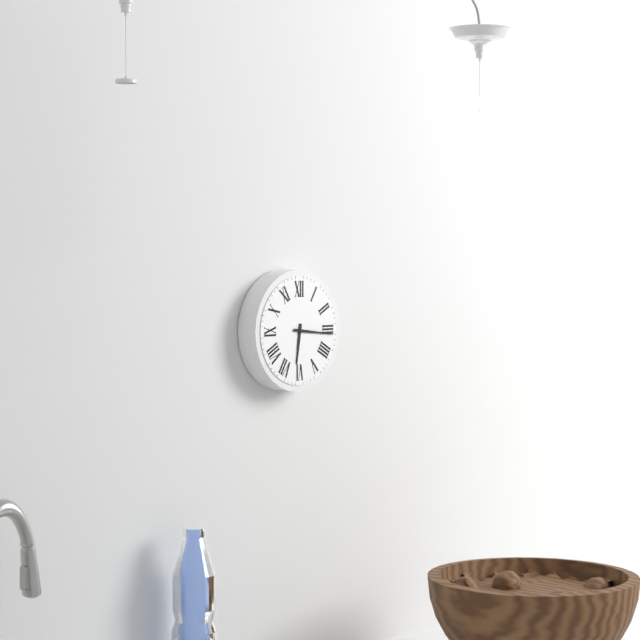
6:16
